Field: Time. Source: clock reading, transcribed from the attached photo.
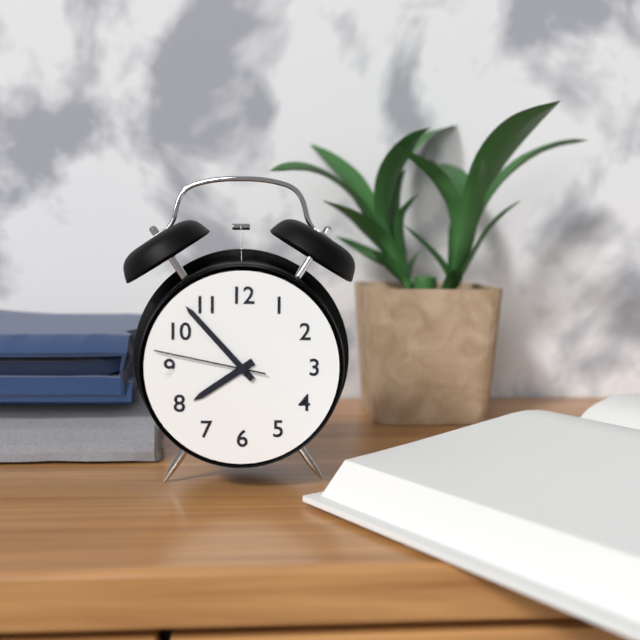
7:53:47
